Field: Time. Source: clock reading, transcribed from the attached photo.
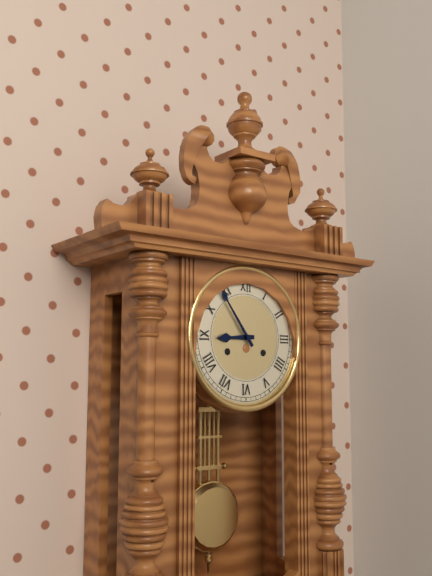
8:54
